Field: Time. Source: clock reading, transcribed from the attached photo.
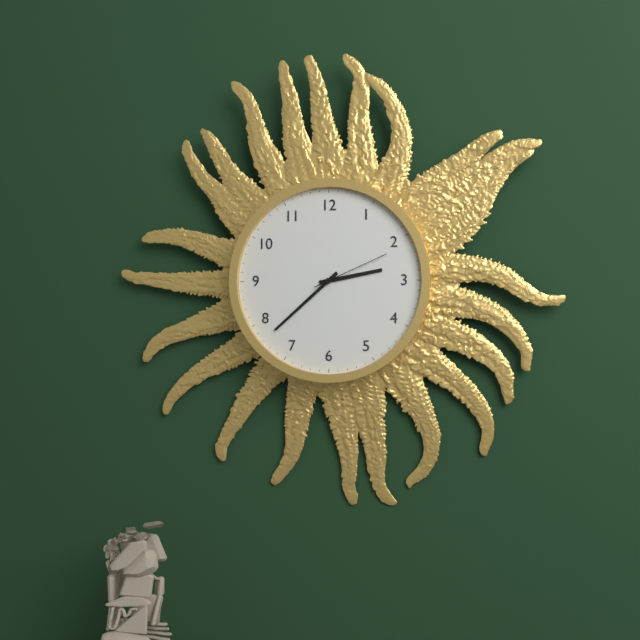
2:38:11
